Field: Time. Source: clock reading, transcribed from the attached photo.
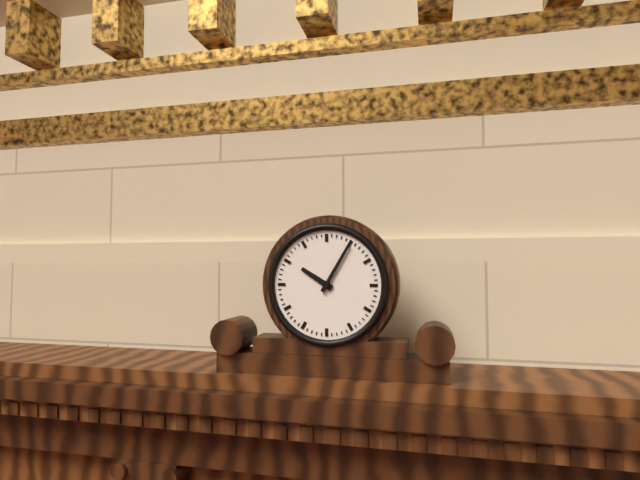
10:05
